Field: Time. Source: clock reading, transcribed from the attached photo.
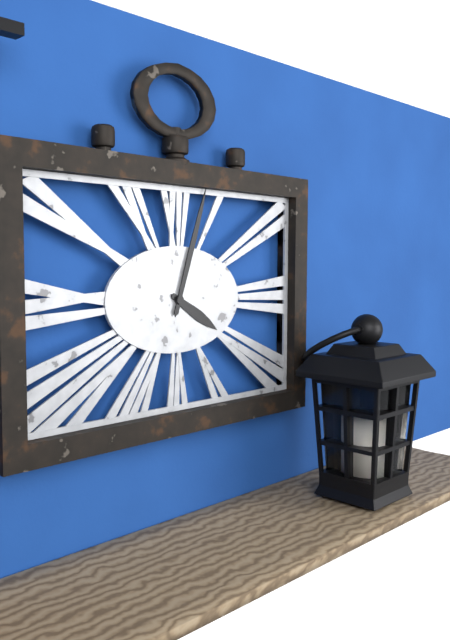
4:03
